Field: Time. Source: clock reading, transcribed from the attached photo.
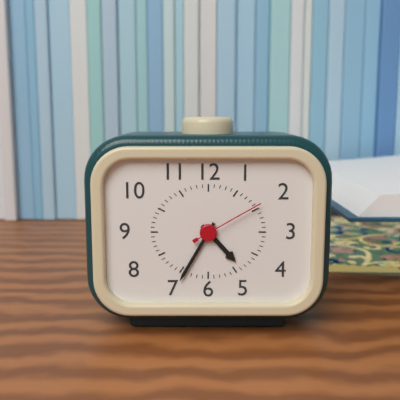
4:35:10
